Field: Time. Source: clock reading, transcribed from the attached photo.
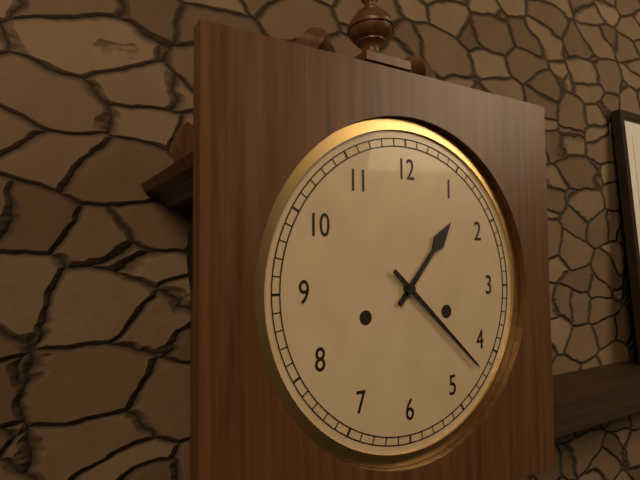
1:22
